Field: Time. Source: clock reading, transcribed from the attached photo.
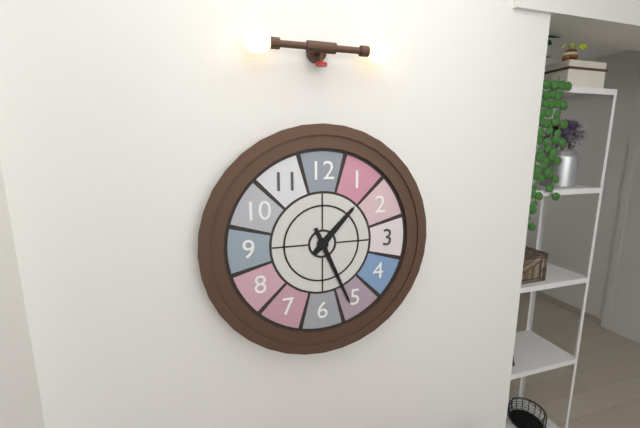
1:26
